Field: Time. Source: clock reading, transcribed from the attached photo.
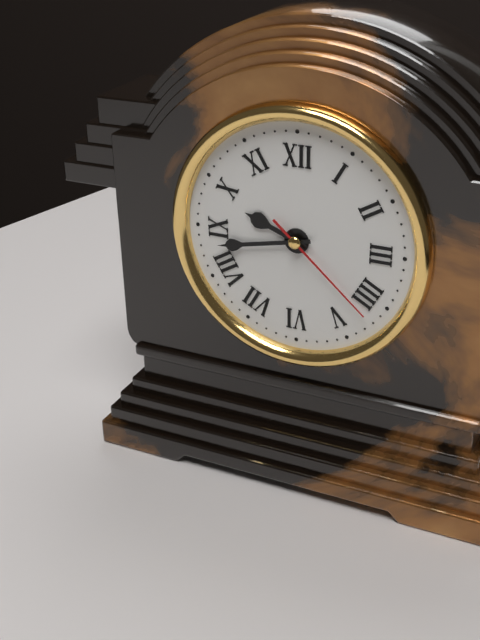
9:43:22
